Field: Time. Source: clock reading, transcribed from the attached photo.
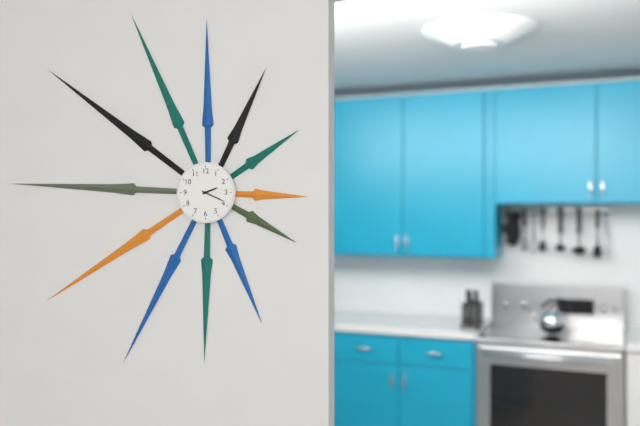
2:19
